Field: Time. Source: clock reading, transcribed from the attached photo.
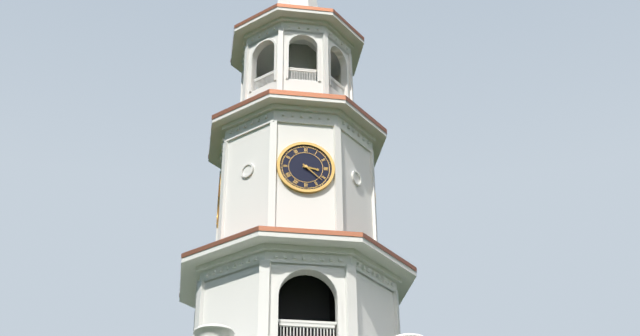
3:22
